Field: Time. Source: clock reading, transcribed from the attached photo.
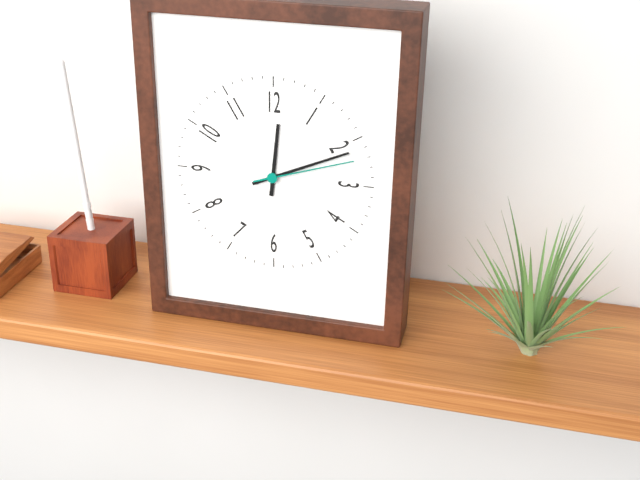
12:11:12
